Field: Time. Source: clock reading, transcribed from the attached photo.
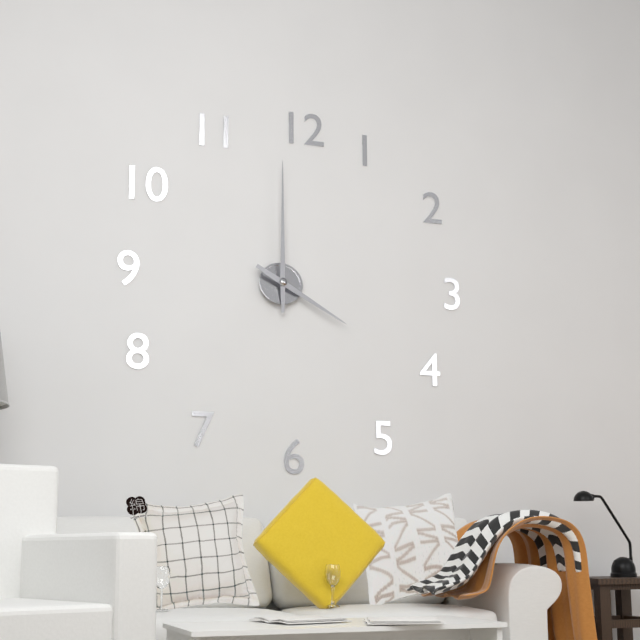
4:00
